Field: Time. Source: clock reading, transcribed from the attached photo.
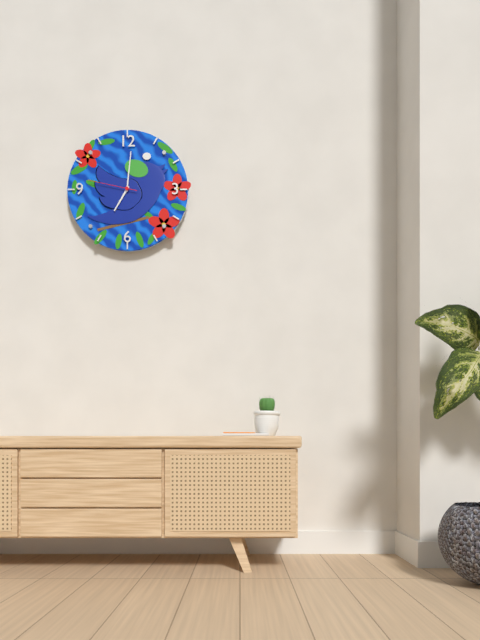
7:01:47
